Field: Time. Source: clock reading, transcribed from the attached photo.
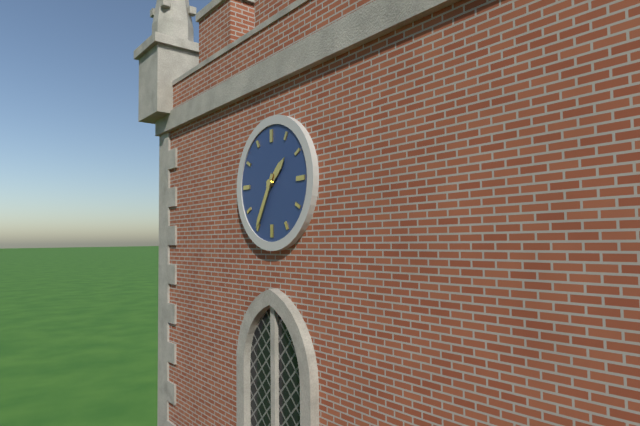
1:35
